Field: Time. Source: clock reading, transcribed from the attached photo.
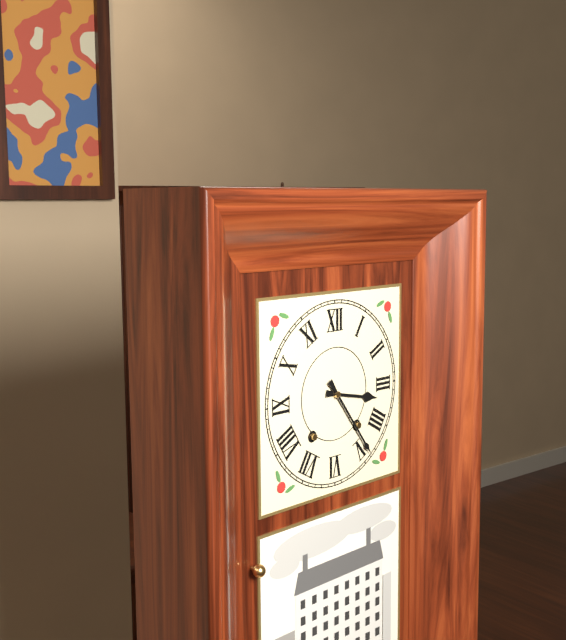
3:24
